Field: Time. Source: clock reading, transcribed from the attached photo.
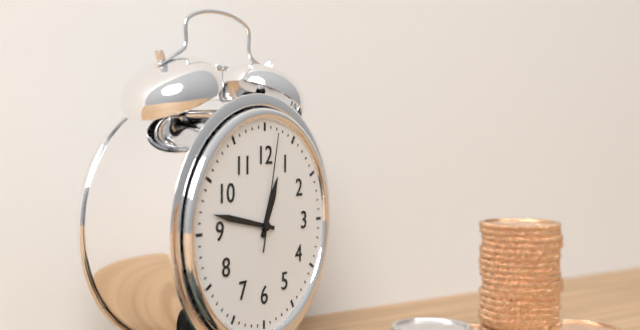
12:47:02
